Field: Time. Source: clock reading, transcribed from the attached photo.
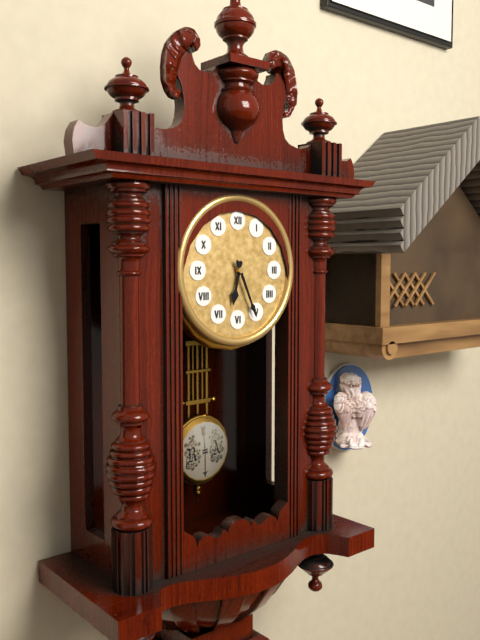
6:26
